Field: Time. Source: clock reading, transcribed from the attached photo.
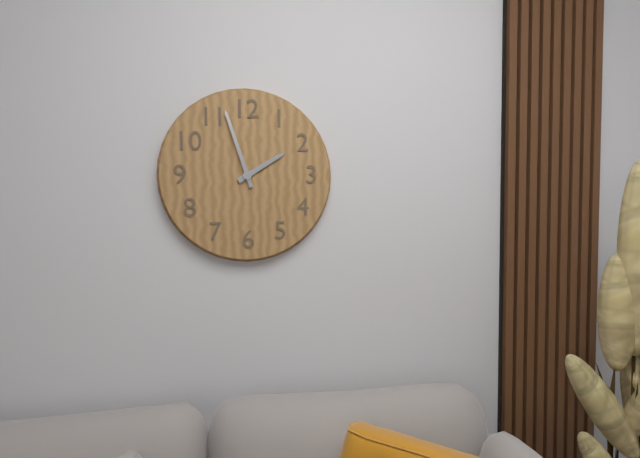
1:57
